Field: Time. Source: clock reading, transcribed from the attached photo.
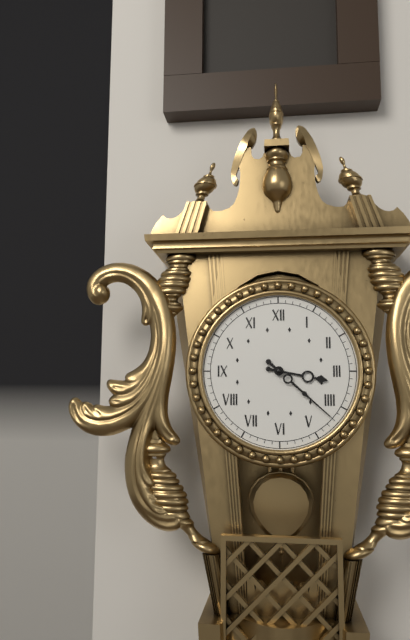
3:22
